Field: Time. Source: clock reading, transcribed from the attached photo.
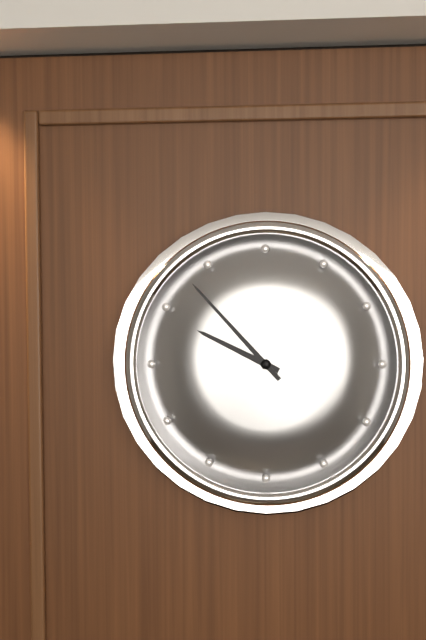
9:53
